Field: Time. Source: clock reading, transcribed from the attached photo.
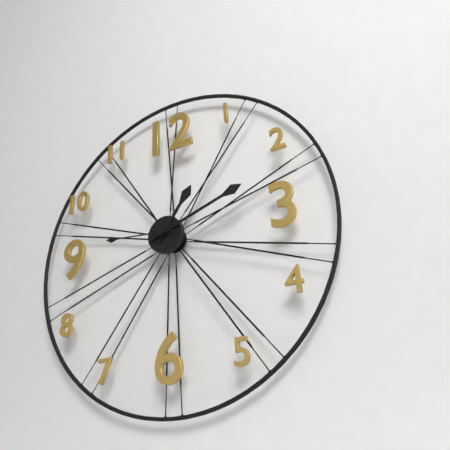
1:12:46
